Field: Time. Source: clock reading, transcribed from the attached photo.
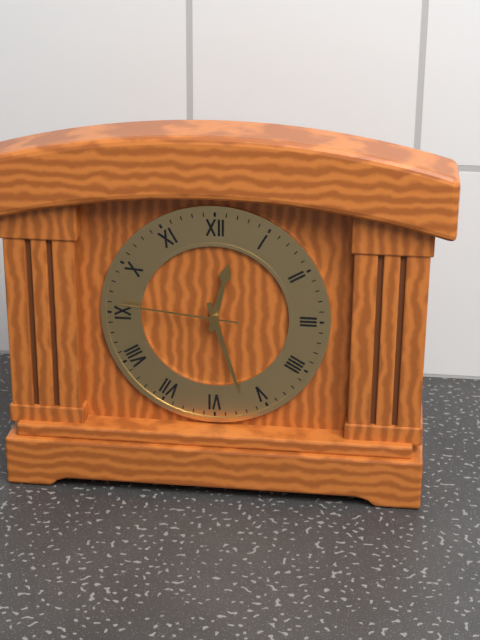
12:27:46
